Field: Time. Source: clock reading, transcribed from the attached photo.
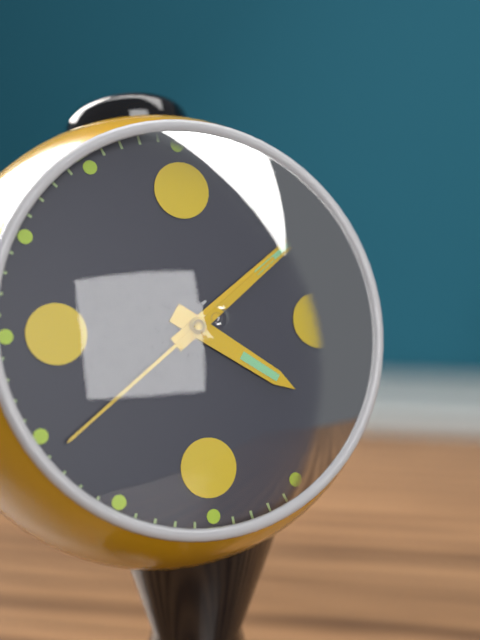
4:09:39
